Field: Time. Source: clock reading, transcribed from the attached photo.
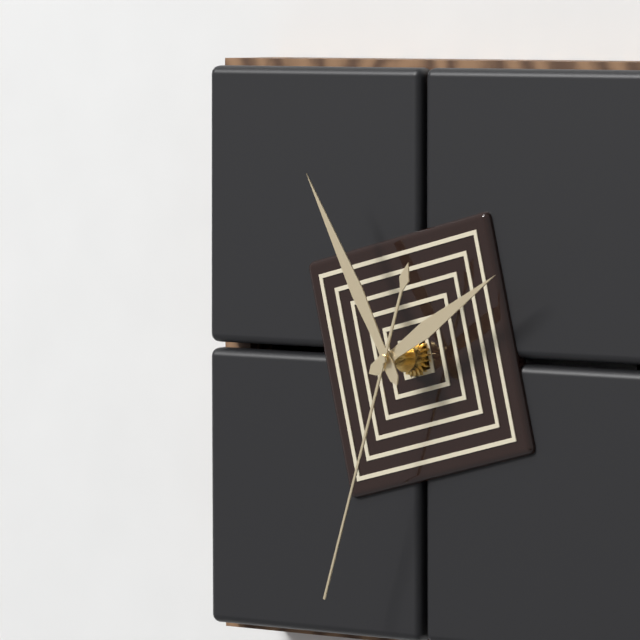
1:55:33
